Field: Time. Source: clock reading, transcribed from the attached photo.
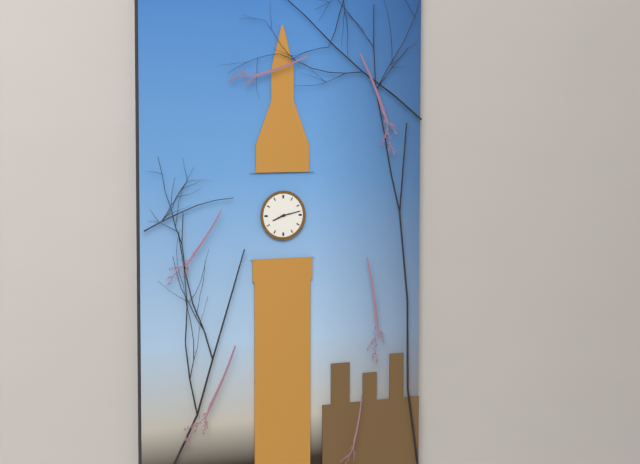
8:13
